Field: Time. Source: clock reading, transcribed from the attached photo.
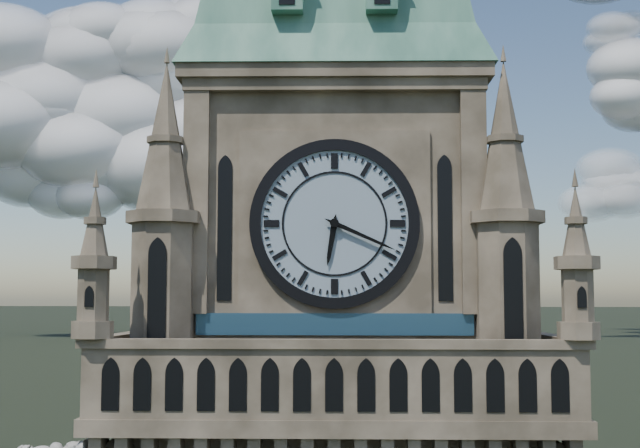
6:19
